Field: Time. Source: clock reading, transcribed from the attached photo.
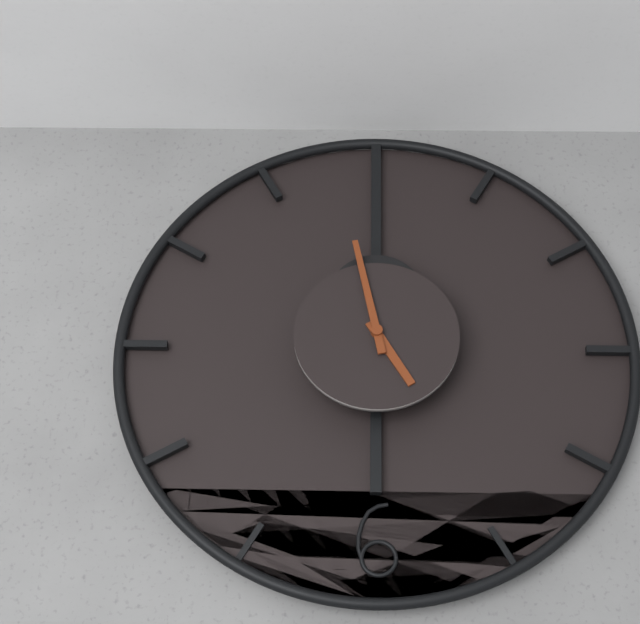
4:58
